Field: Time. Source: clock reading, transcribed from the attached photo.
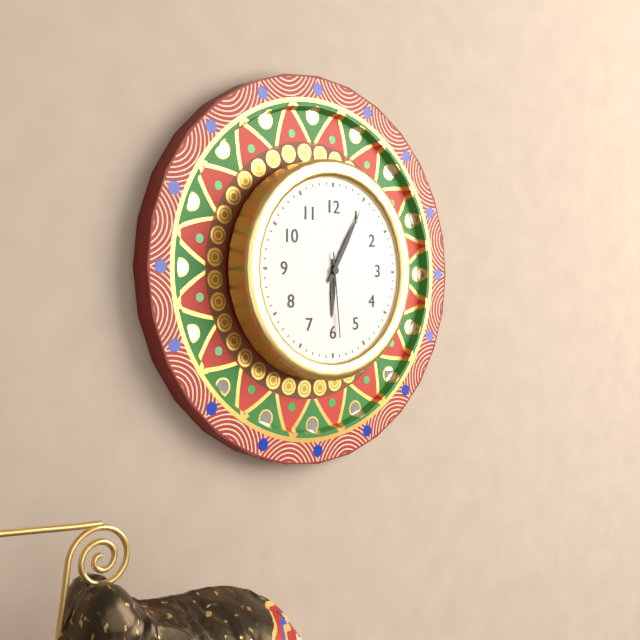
6:05:29
